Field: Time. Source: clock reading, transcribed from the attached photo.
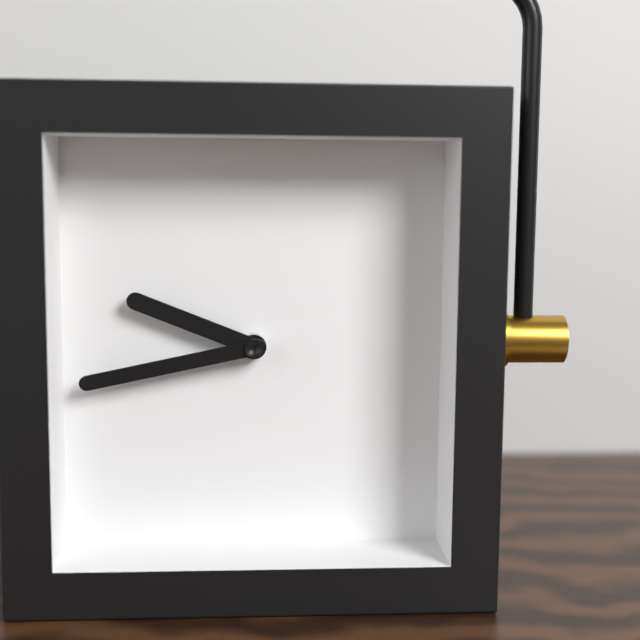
9:43
